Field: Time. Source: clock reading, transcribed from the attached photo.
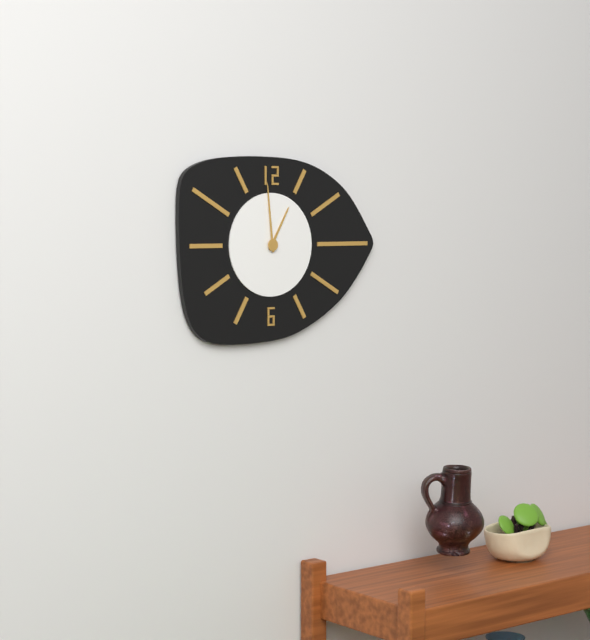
12:59
